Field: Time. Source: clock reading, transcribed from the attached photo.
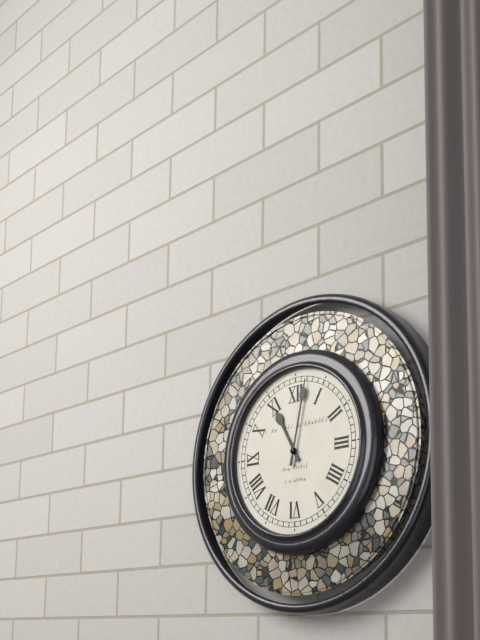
11:02
